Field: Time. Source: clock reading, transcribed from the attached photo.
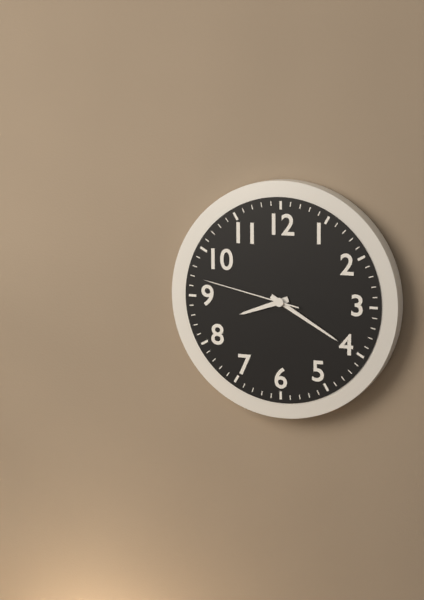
8:20:47
